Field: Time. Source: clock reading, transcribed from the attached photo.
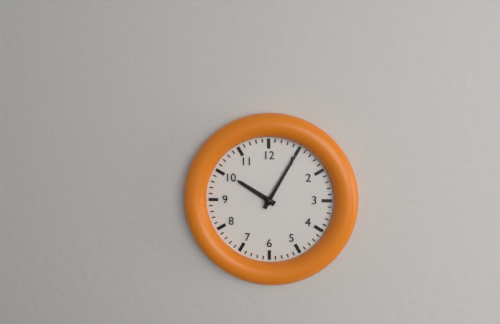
10:05
